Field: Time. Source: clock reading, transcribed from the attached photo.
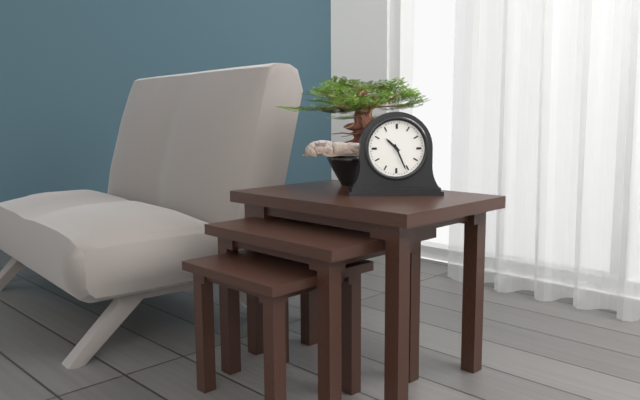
10:26
